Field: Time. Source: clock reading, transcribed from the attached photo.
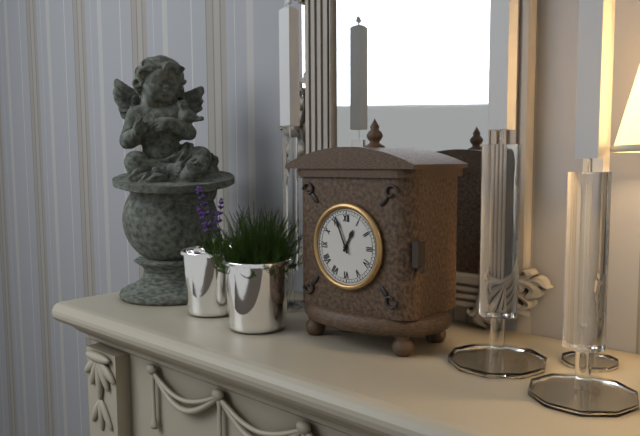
12:56
